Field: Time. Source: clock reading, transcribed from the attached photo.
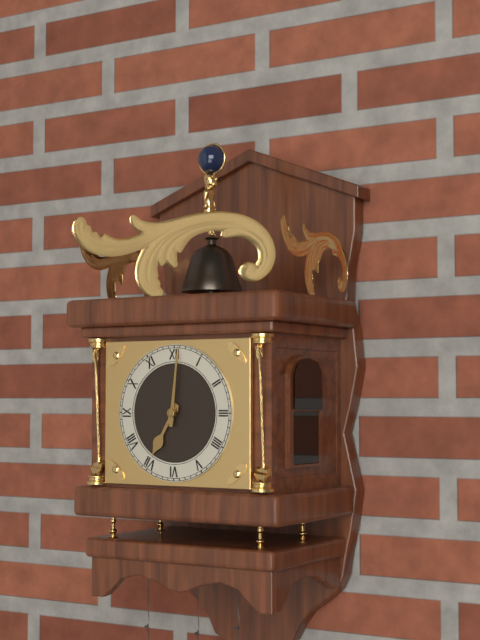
7:01
